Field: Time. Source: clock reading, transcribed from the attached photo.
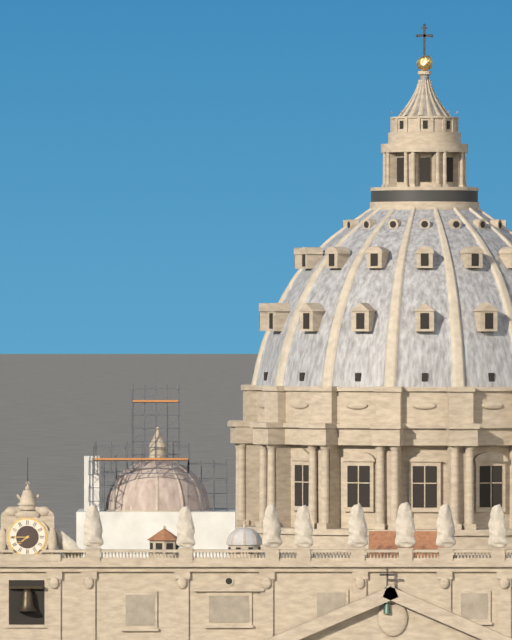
7:45
